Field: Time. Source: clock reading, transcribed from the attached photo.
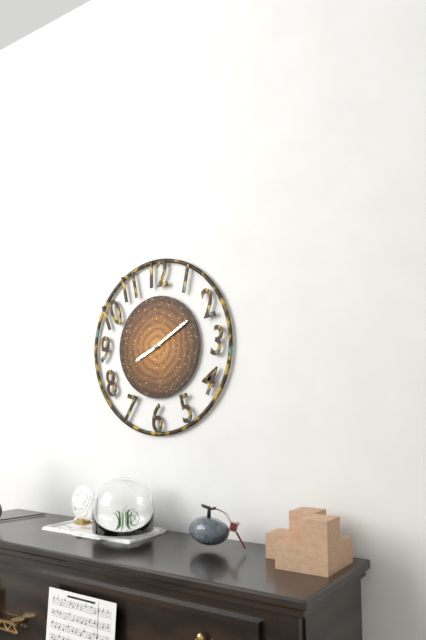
8:10
